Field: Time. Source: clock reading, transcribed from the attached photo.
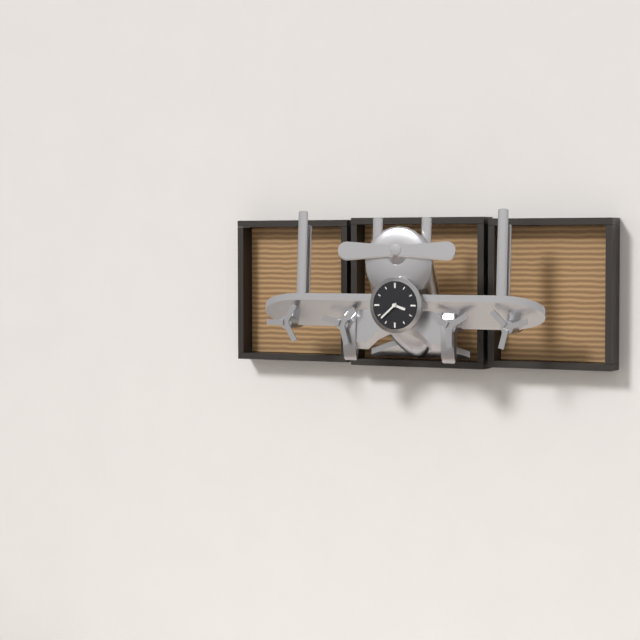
3:38
